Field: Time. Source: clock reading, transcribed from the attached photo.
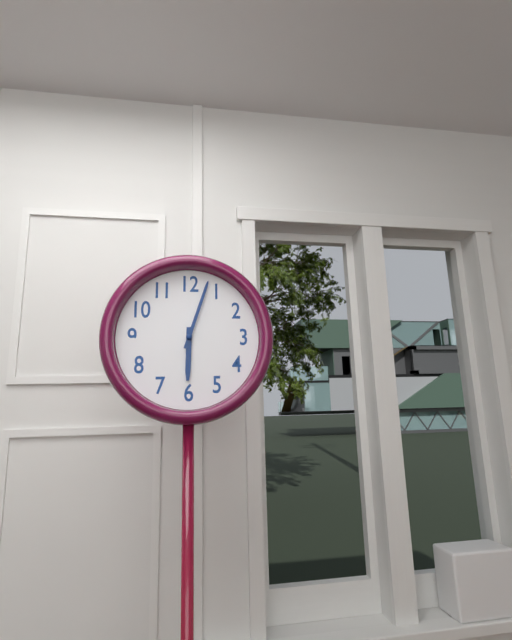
6:03
